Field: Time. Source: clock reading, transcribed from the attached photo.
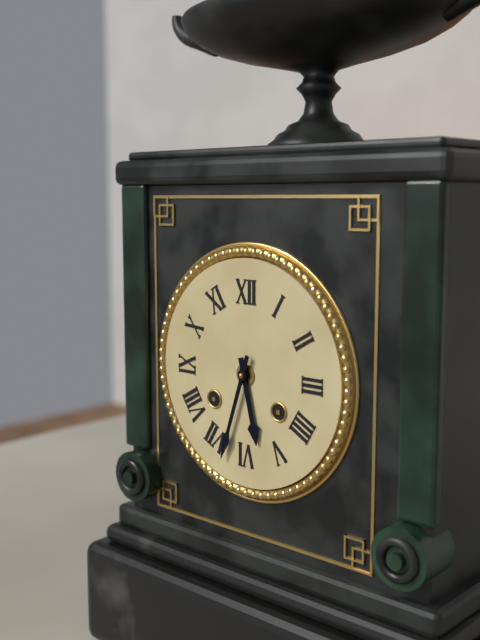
5:33
